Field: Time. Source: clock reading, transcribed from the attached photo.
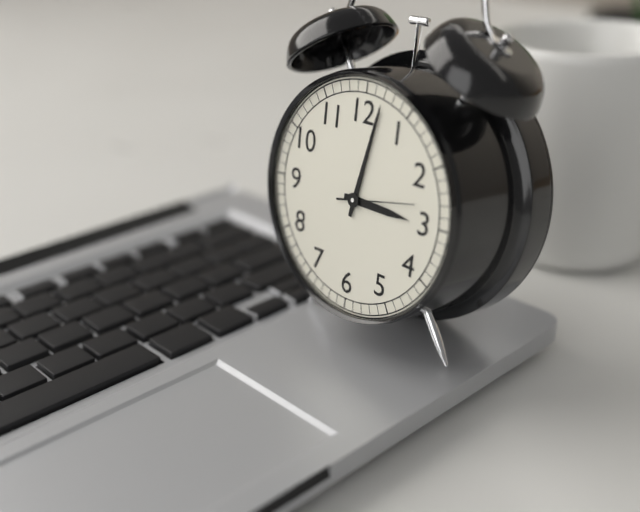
3:02:13
